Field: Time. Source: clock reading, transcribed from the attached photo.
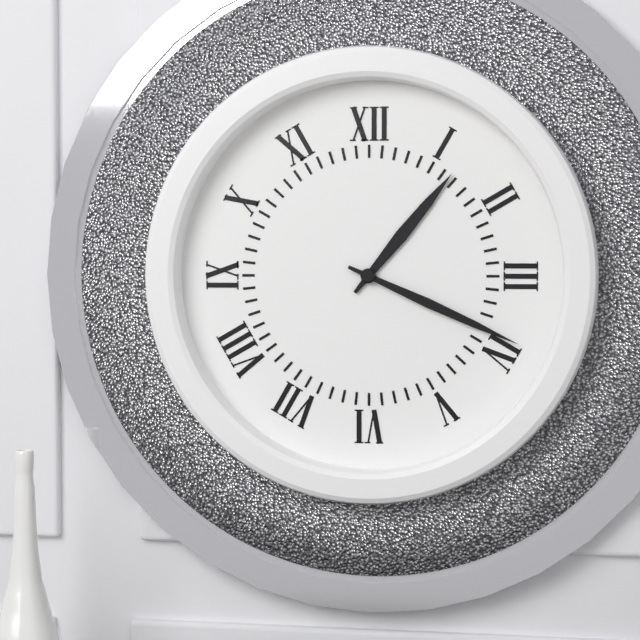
1:19
